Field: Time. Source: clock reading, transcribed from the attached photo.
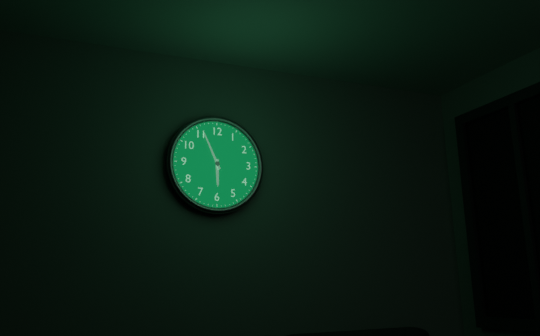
5:56
